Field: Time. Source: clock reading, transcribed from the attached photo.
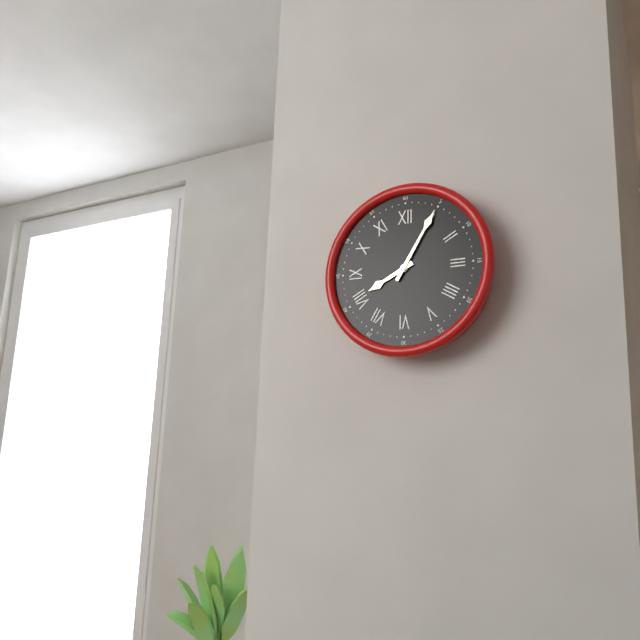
8:05
